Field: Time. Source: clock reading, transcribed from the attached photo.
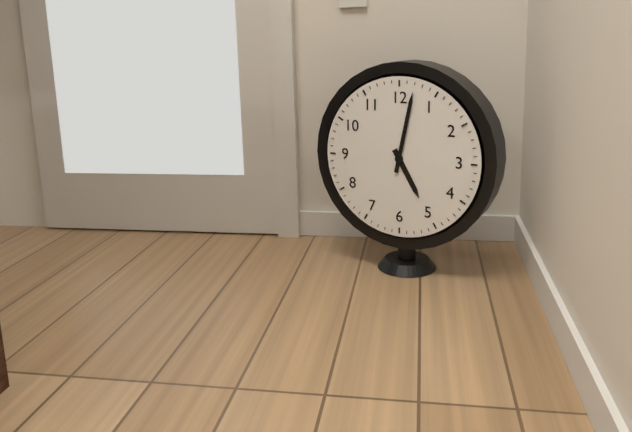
5:02
